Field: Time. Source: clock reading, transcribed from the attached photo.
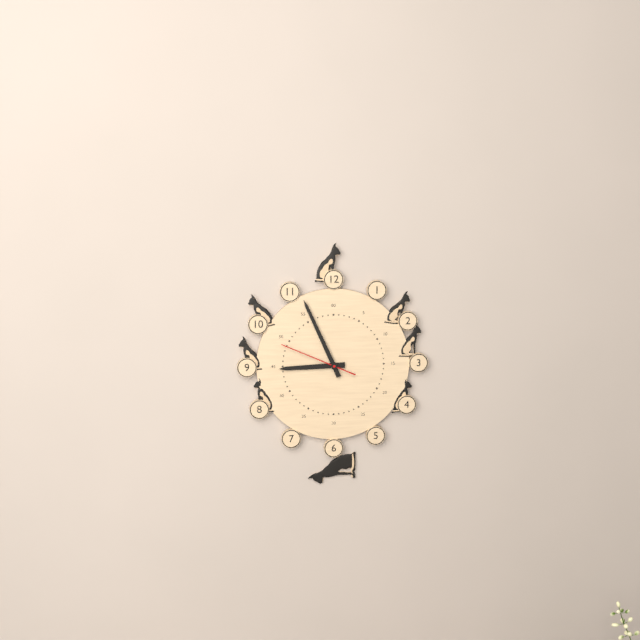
8:56:49
